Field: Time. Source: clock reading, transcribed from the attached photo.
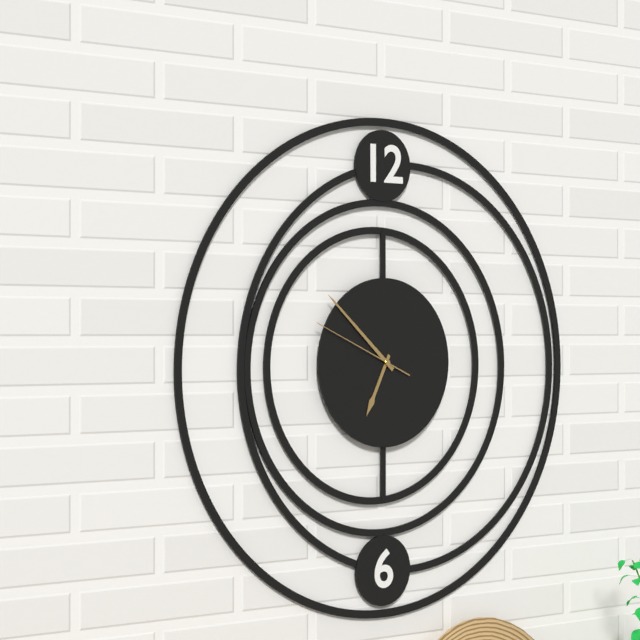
6:52:49
